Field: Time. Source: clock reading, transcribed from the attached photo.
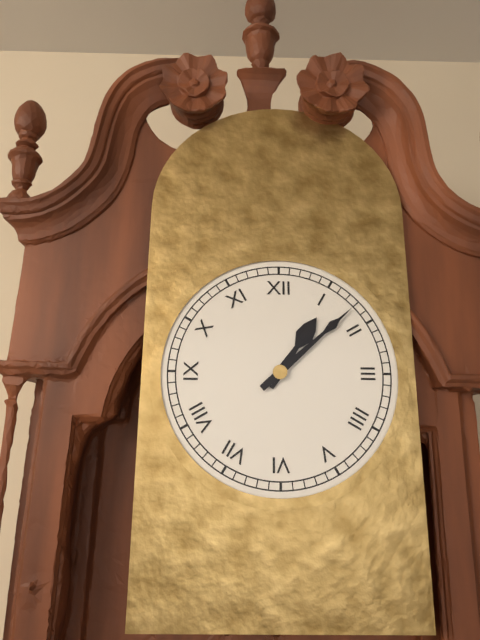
1:08
